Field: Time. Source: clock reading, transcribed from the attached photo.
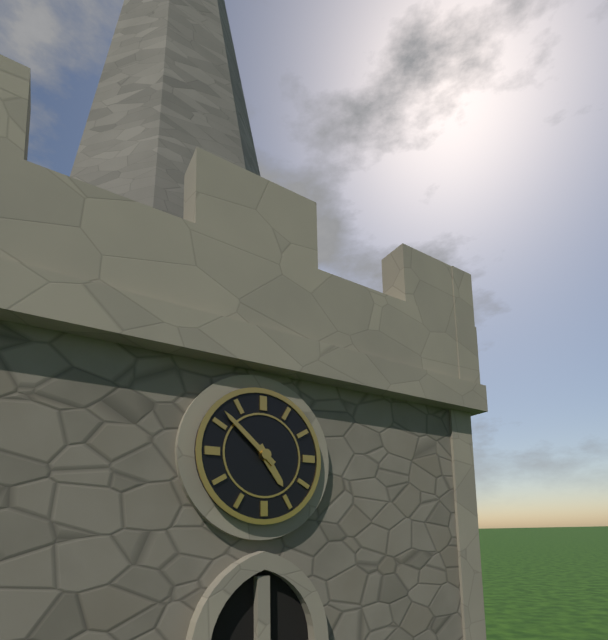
4:52
